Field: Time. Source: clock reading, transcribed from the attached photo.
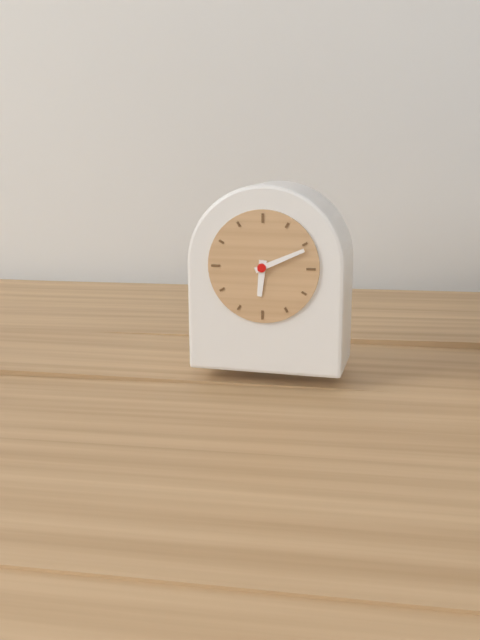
6:11
